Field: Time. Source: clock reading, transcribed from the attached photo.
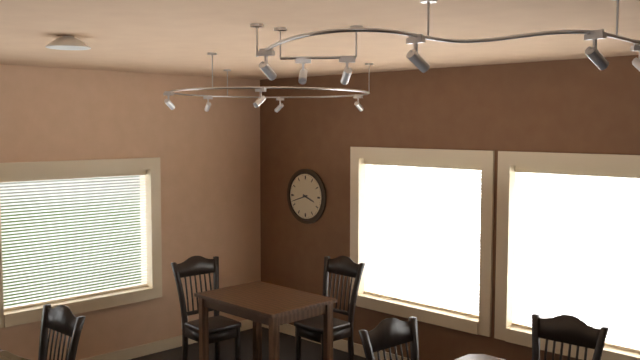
3:42
